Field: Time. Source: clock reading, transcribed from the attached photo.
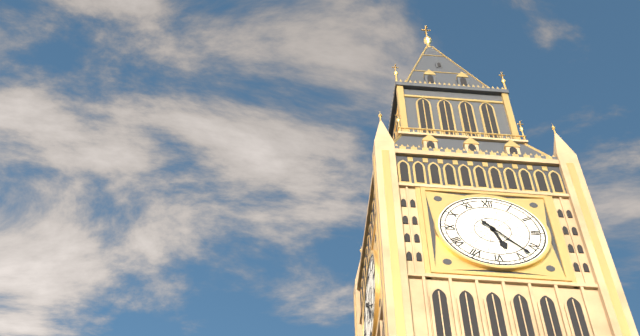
5:23
